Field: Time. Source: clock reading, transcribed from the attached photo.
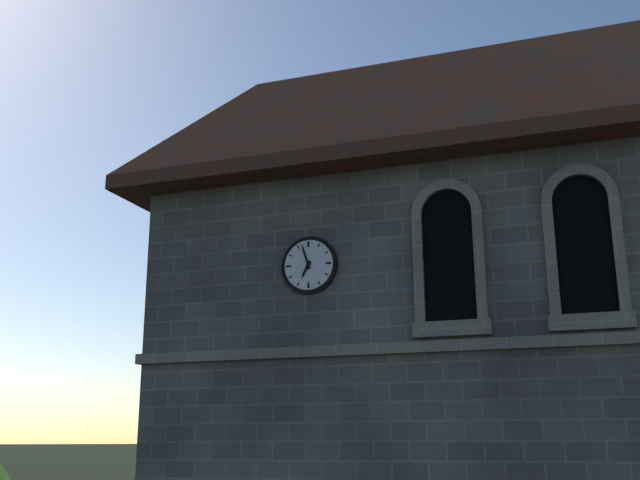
6:57
